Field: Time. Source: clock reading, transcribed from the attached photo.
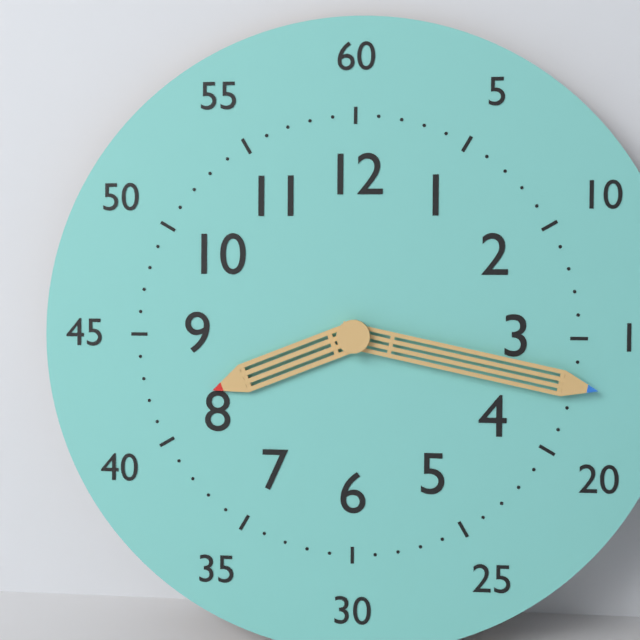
8:17
